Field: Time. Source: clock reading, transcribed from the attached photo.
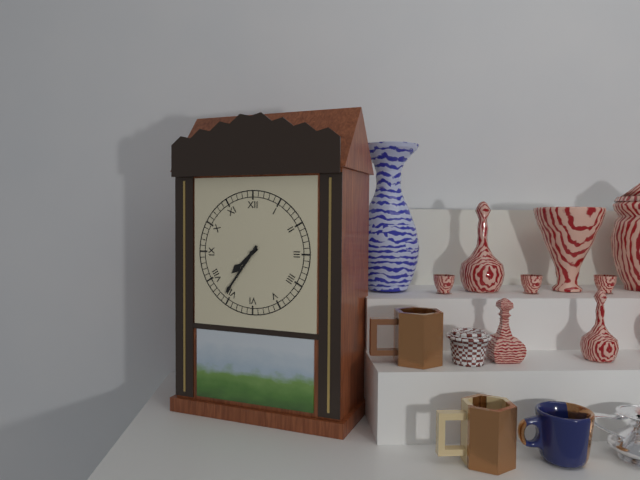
7:36
